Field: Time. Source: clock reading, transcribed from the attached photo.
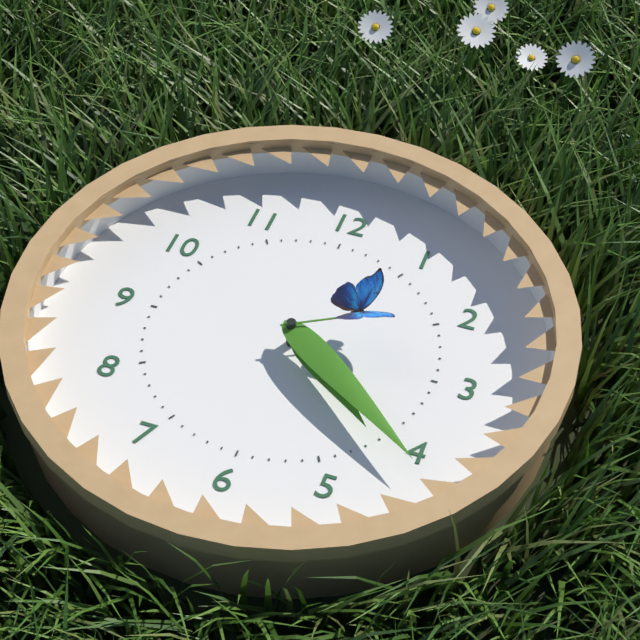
4:21:10
